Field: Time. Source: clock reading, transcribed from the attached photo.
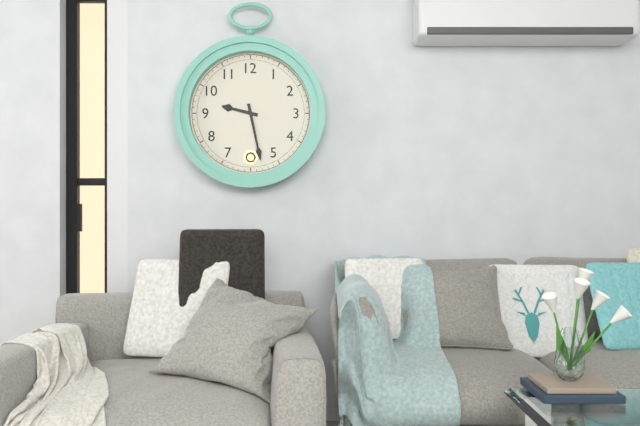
9:28
